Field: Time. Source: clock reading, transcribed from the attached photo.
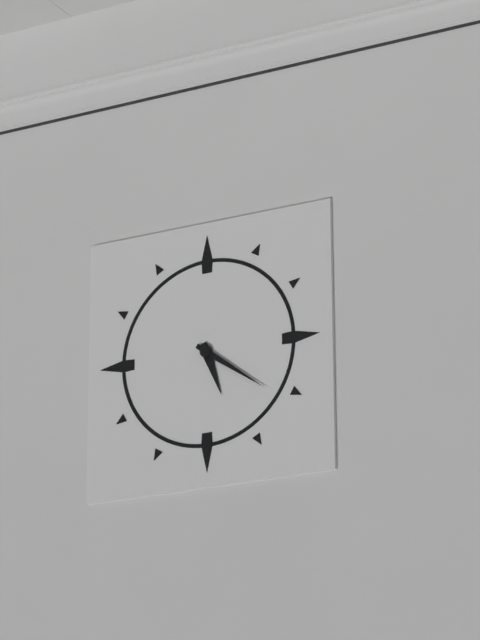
5:21
